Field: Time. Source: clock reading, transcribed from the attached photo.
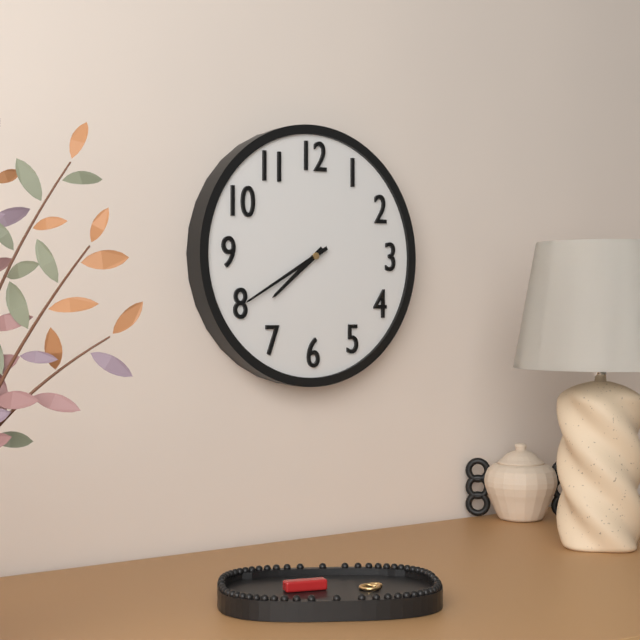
7:40
